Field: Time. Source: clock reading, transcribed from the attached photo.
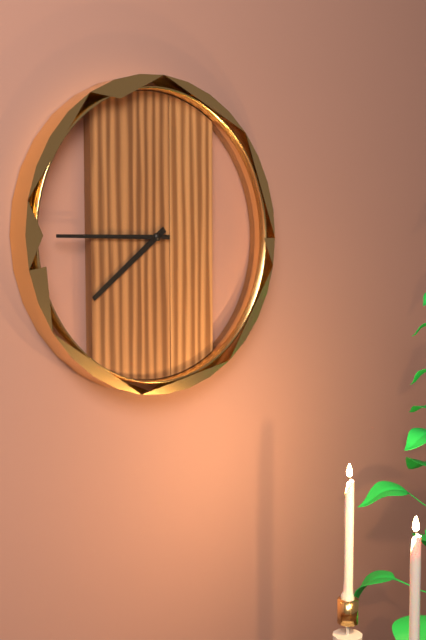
7:45
